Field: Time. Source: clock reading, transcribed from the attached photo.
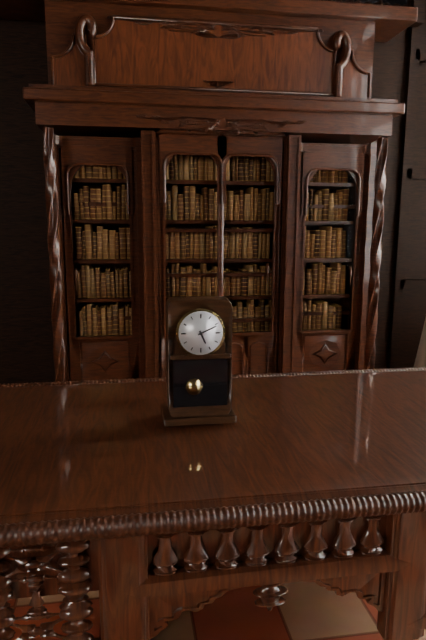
5:11
